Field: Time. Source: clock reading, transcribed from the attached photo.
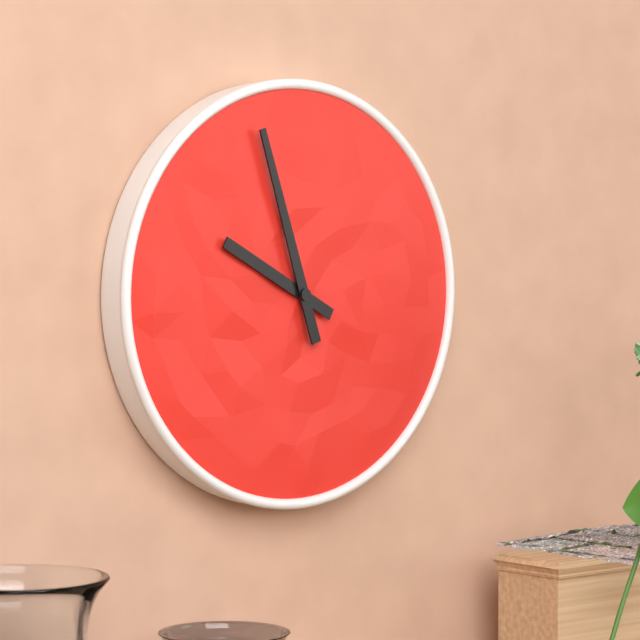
9:57
